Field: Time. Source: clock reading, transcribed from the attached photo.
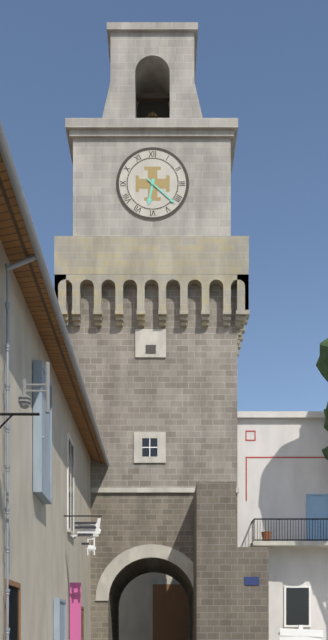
6:22
